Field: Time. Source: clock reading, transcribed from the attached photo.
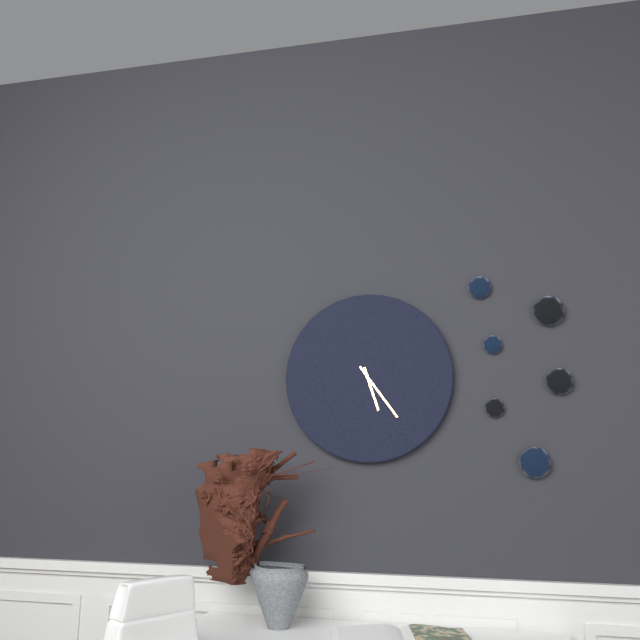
5:24
